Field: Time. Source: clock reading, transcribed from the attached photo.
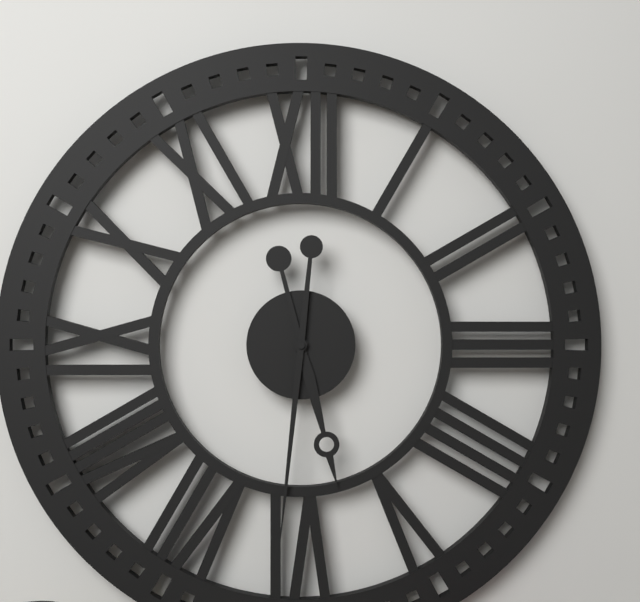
5:31
